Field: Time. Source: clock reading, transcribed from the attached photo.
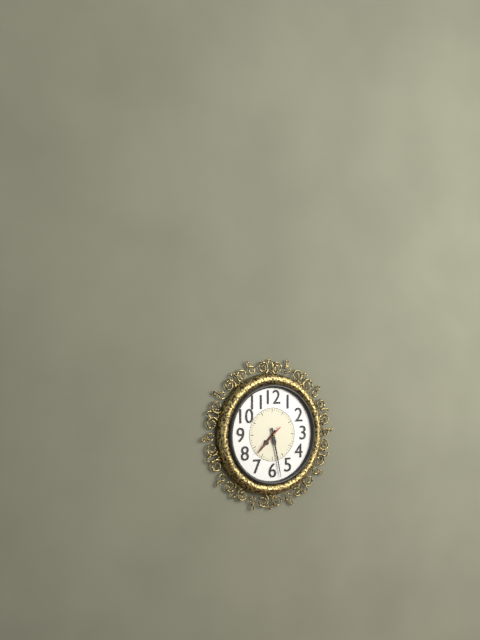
7:28
